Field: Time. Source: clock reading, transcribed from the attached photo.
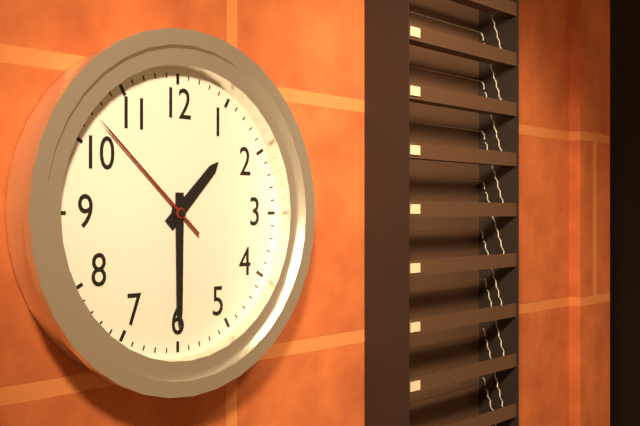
1:30:52
